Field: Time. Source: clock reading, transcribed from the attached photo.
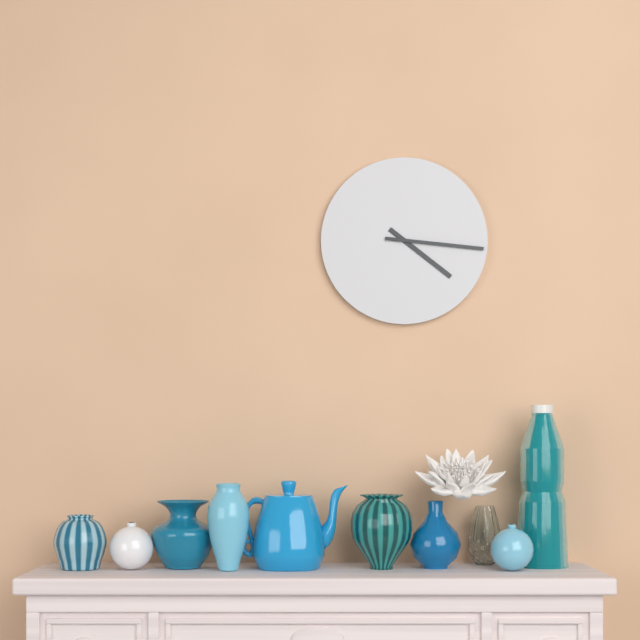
4:16
